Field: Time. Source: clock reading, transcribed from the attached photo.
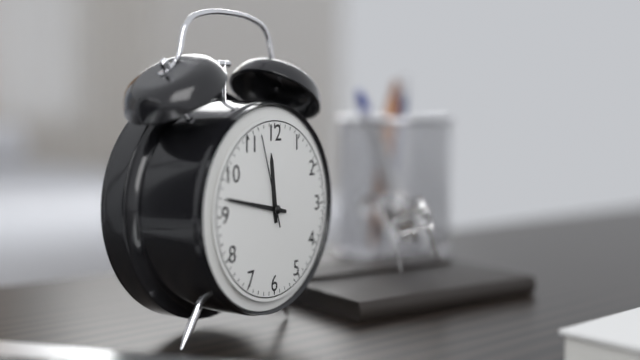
11:47:57
